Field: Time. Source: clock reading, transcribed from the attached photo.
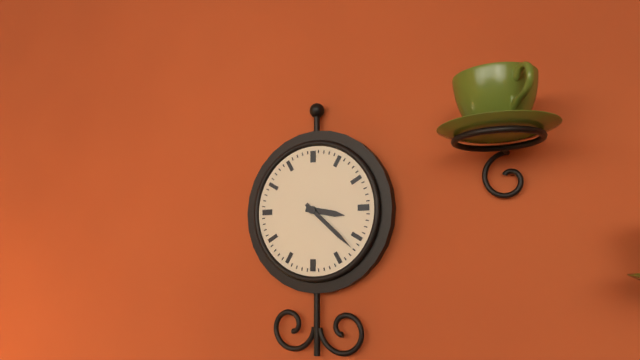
3:22
